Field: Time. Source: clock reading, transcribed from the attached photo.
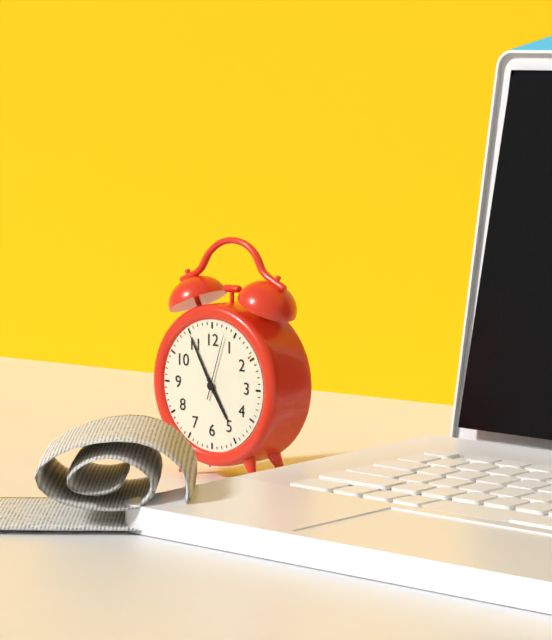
4:55:03
